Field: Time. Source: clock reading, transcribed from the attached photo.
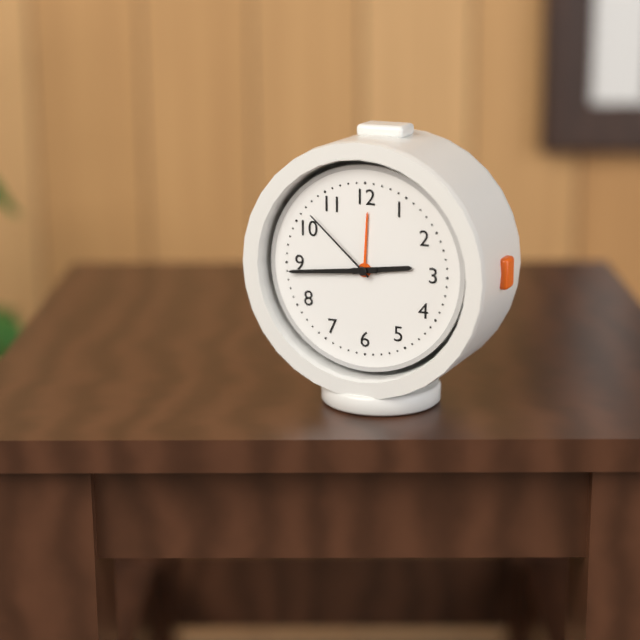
2:44:52
